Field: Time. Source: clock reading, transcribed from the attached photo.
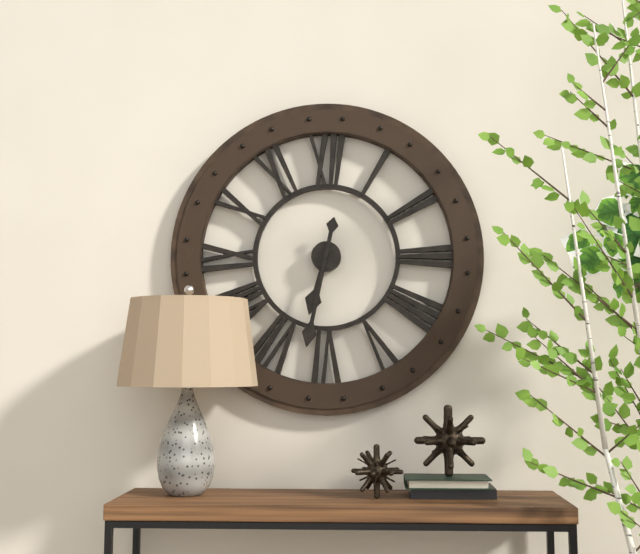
6:32
